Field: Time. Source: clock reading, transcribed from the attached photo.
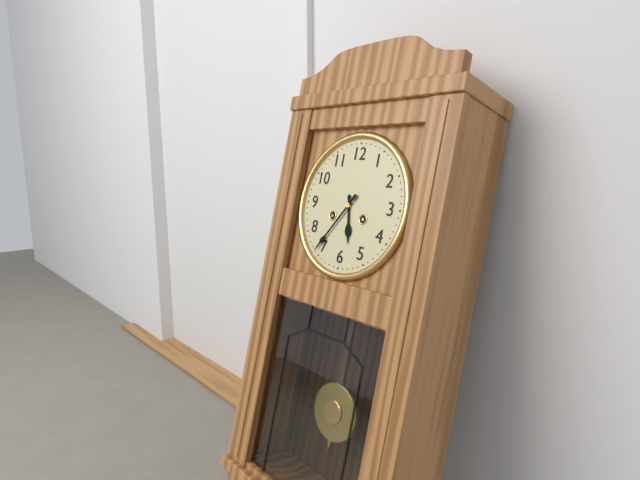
5:36
